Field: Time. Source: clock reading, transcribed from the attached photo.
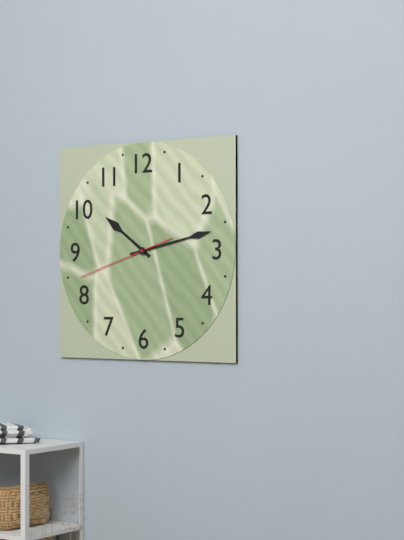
10:13:42
